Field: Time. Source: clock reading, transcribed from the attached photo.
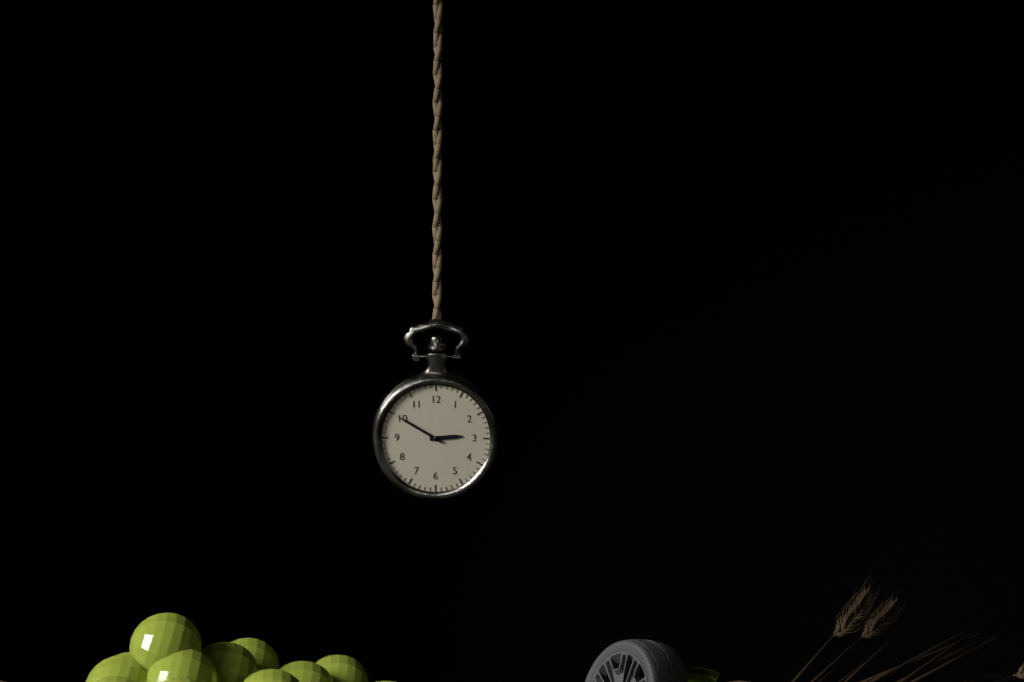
2:50
